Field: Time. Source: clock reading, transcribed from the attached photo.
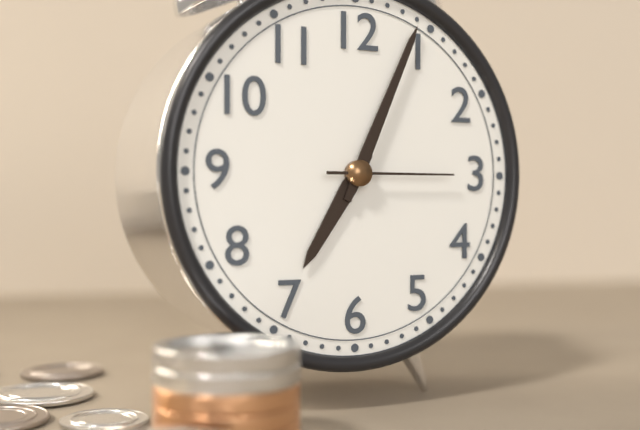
7:04:15
